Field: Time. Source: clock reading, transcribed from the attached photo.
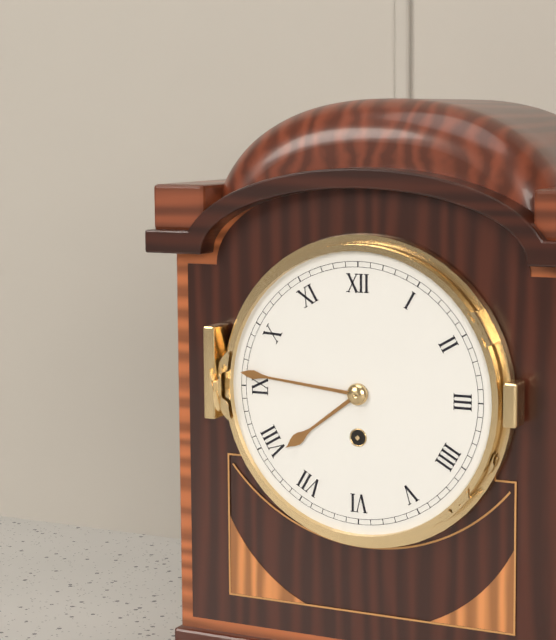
7:46
